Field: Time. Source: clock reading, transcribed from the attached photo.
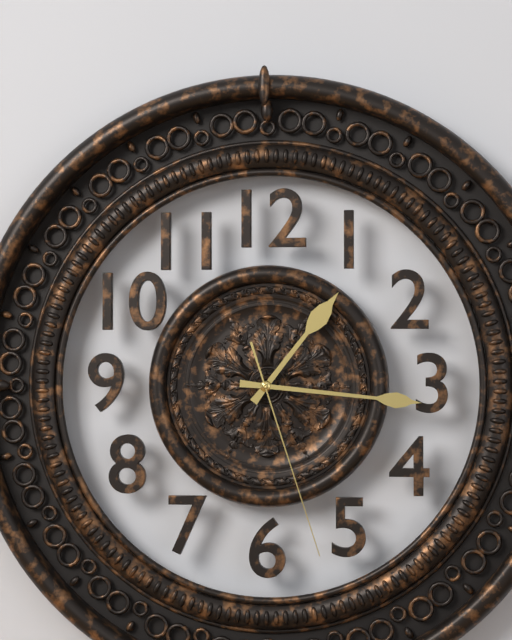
1:16:27
